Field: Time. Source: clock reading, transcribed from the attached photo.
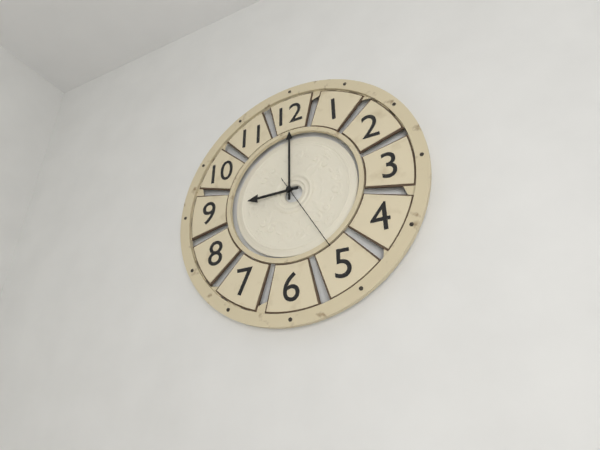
9:00:25
